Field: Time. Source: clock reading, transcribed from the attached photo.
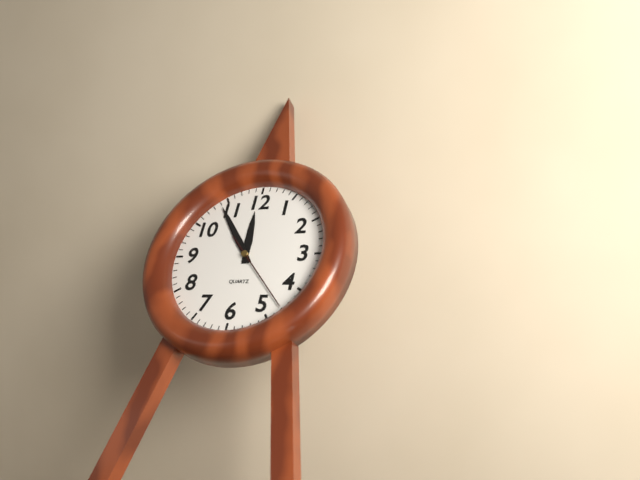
11:54:23
